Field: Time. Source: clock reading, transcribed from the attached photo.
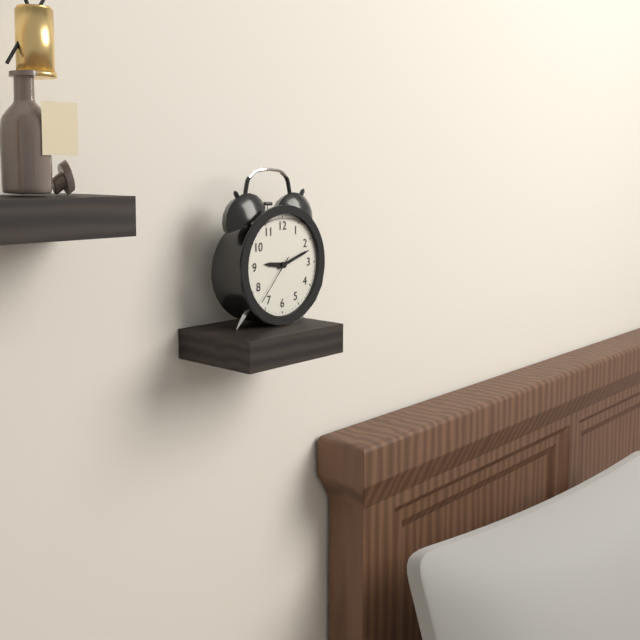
9:12:37
